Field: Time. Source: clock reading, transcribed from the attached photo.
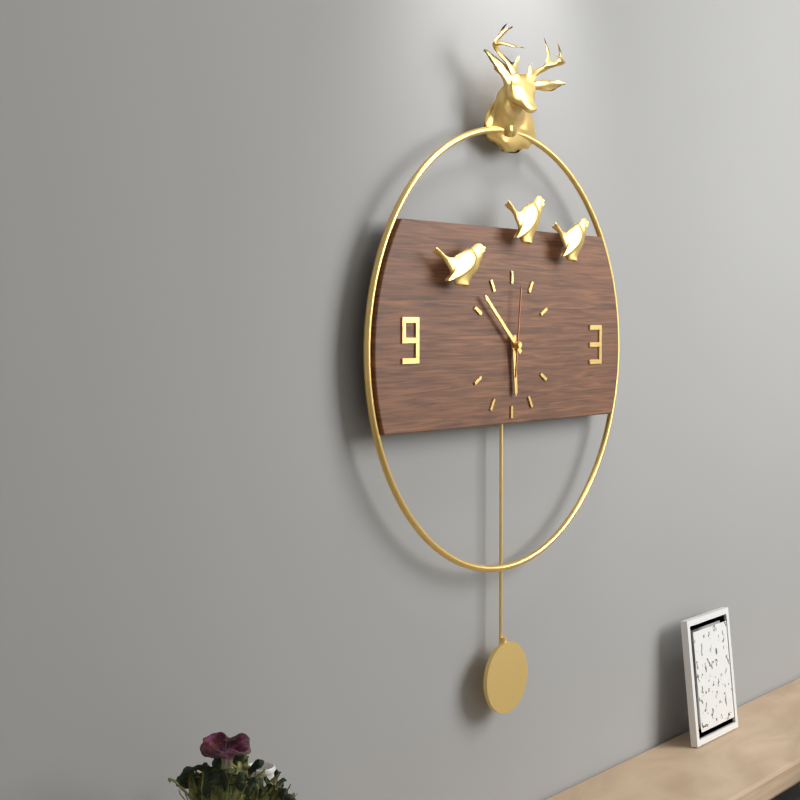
5:52:01
